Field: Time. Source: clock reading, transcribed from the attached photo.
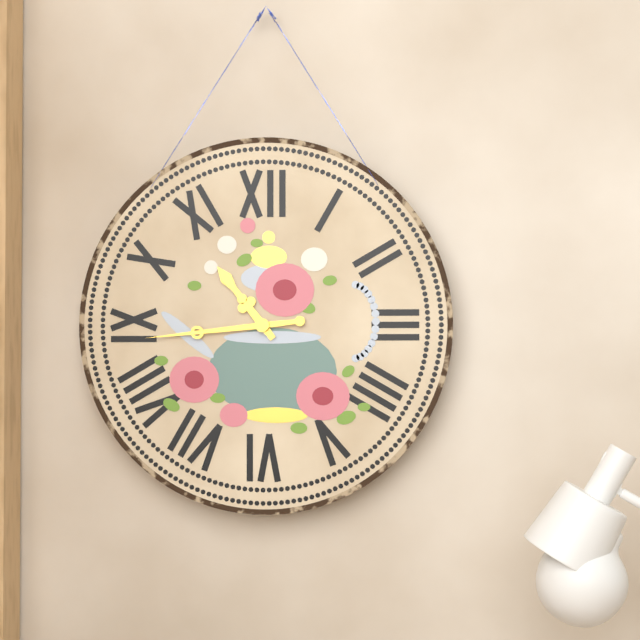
10:44
